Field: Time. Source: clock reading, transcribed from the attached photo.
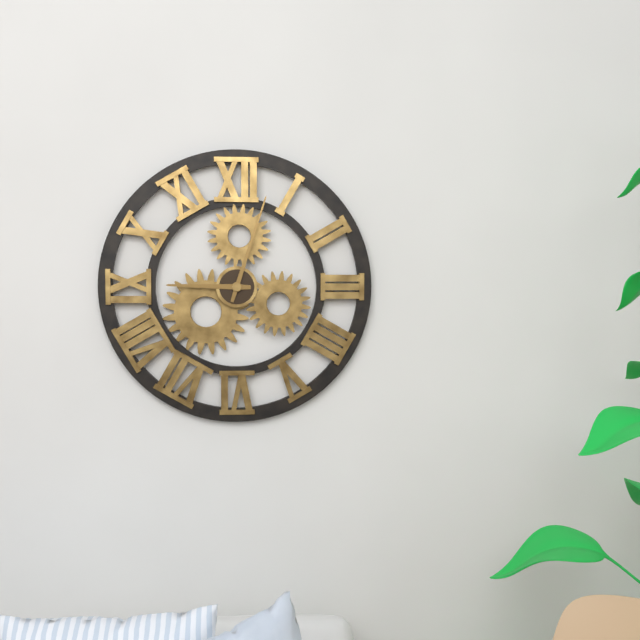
9:03
